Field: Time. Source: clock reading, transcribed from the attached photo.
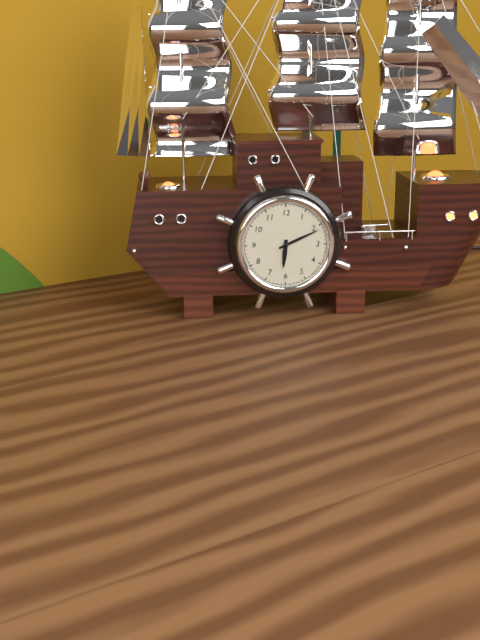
6:11
